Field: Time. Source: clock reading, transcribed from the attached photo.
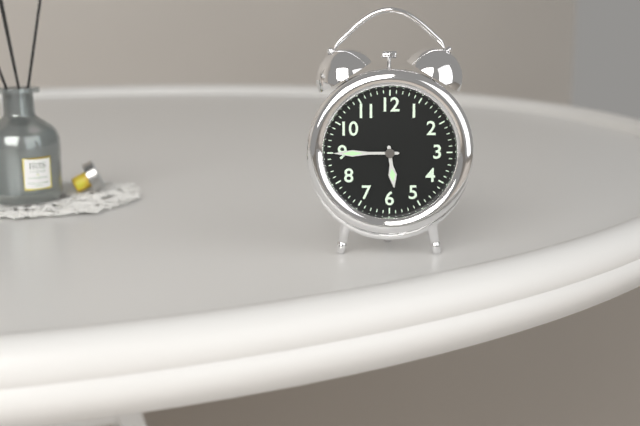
5:45
